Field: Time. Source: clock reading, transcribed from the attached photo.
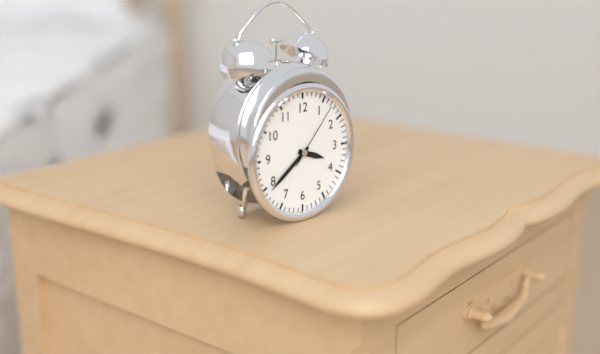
3:39:07
